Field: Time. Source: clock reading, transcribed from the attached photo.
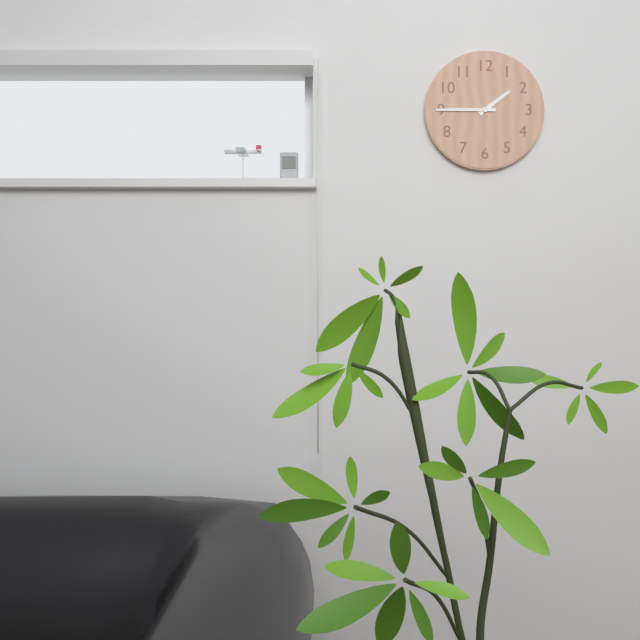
1:45
